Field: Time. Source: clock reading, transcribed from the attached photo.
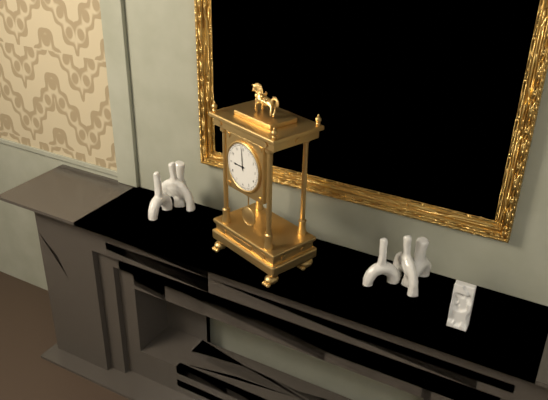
8:59
